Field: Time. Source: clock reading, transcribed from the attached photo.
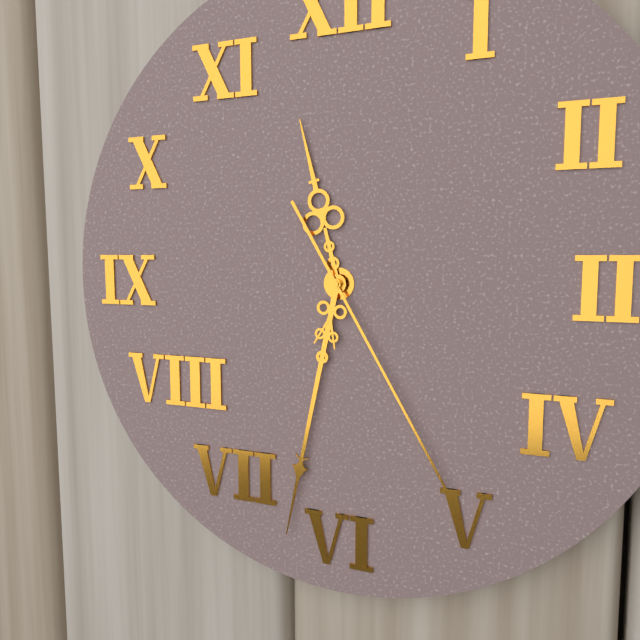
11:32:25
